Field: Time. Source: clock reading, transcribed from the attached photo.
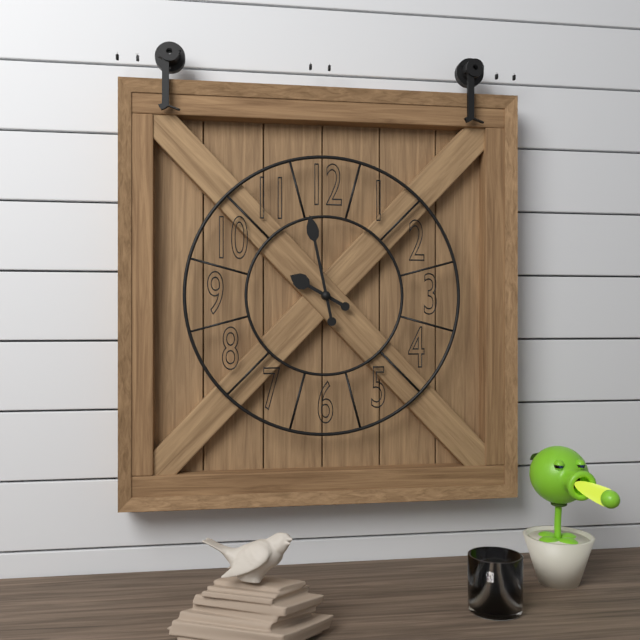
9:58
